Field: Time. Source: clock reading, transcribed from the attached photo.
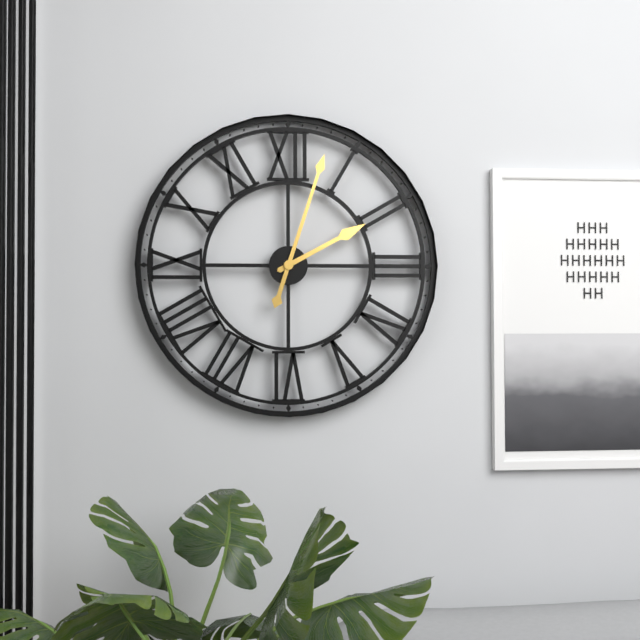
2:03
